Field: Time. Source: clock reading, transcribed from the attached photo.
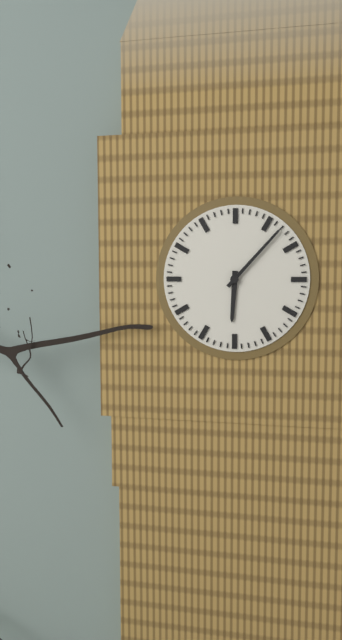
6:07
